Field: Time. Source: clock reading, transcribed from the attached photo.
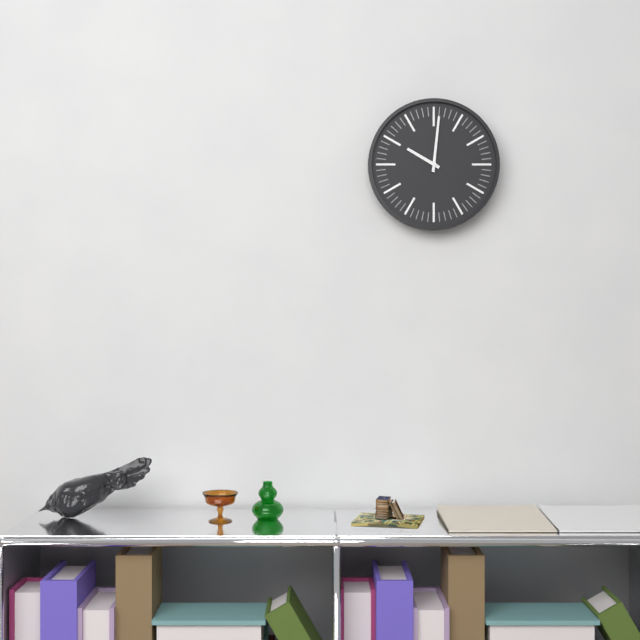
10:01
